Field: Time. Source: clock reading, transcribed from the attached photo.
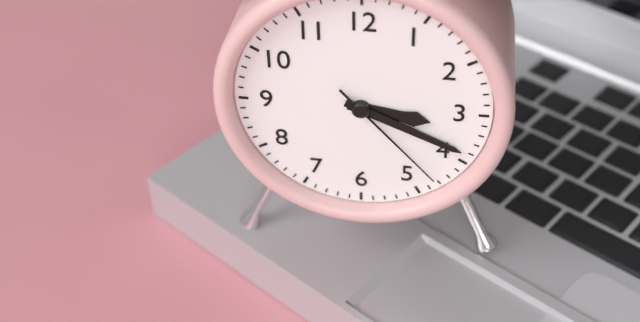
3:19:23
